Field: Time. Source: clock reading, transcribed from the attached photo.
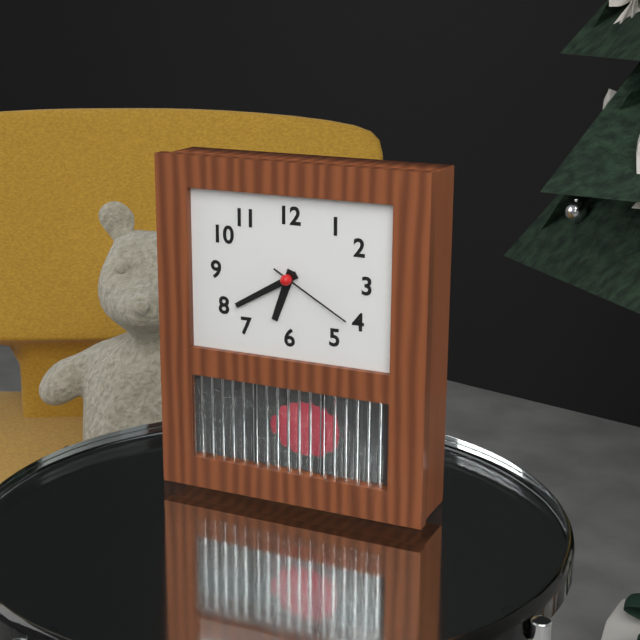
6:40:20
